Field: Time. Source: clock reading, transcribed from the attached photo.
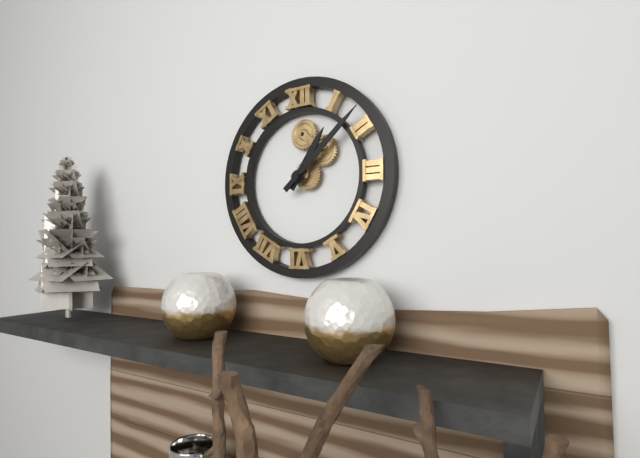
1:08
